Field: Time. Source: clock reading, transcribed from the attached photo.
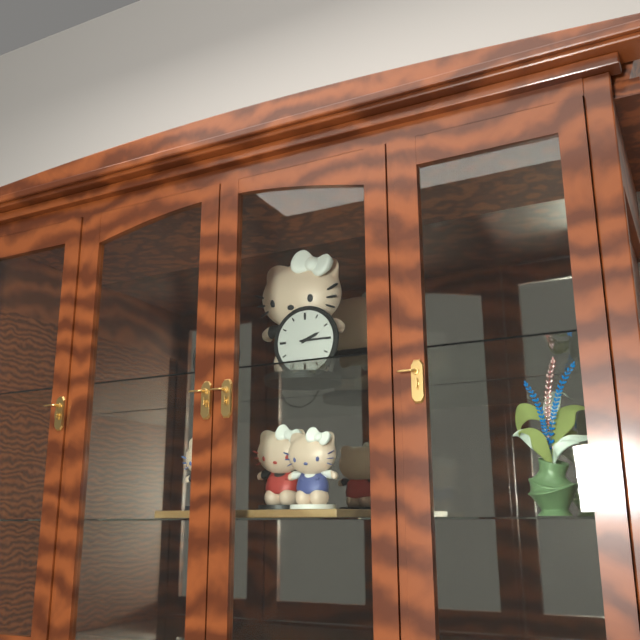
2:15
